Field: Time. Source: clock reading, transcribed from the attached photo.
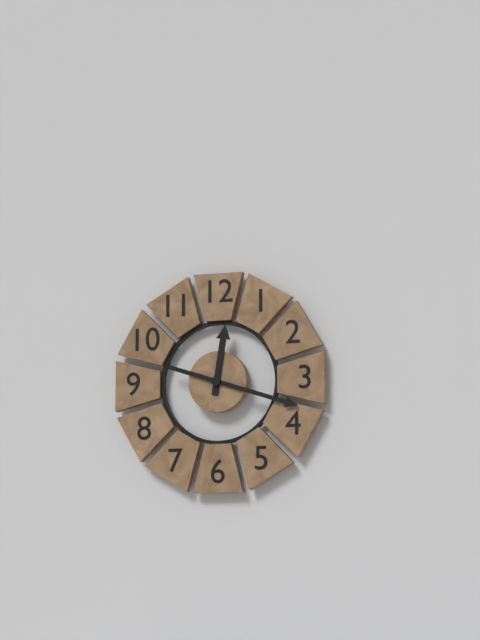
12:18
